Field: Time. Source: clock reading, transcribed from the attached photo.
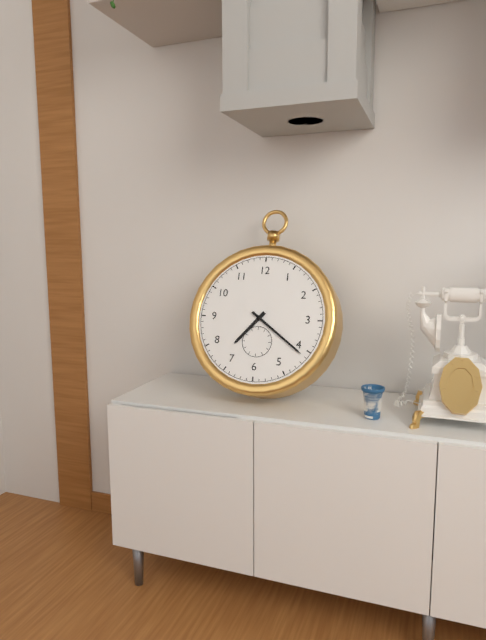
7:21
